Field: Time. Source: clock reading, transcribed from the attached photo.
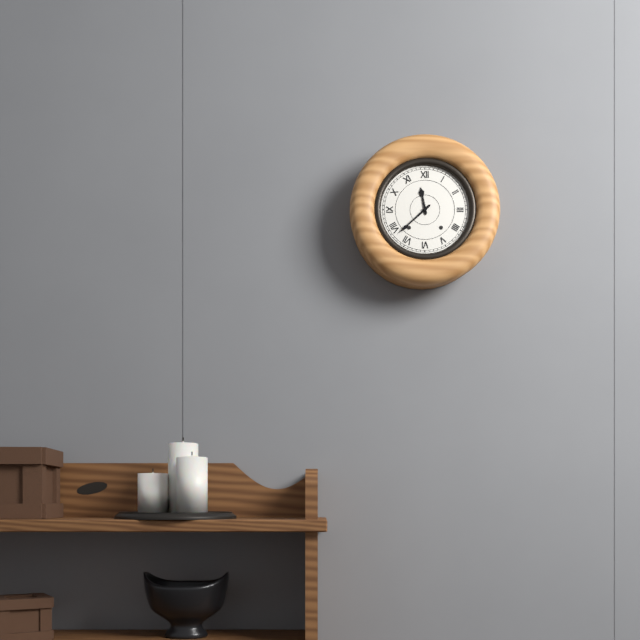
11:38
